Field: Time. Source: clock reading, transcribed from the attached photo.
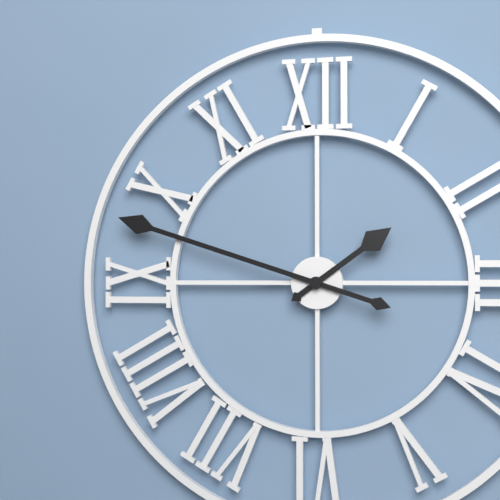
1:48
